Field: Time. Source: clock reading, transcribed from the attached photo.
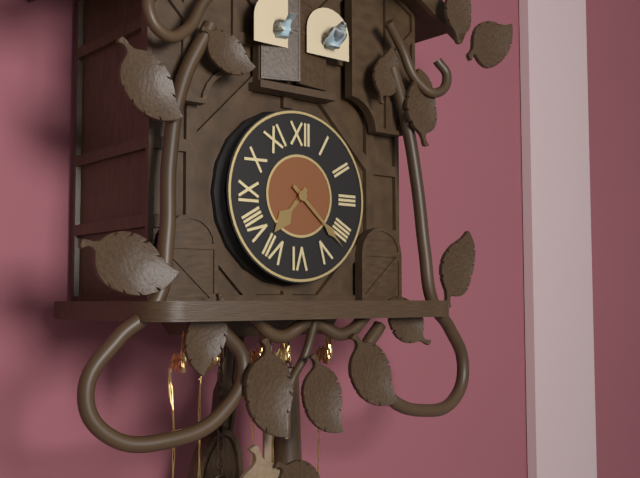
7:22
